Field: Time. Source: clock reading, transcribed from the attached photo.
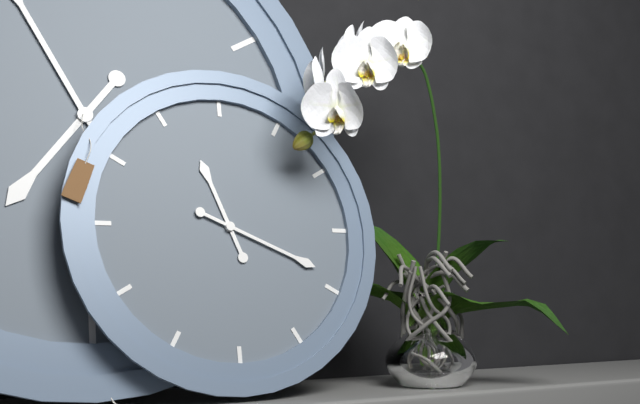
11:19
